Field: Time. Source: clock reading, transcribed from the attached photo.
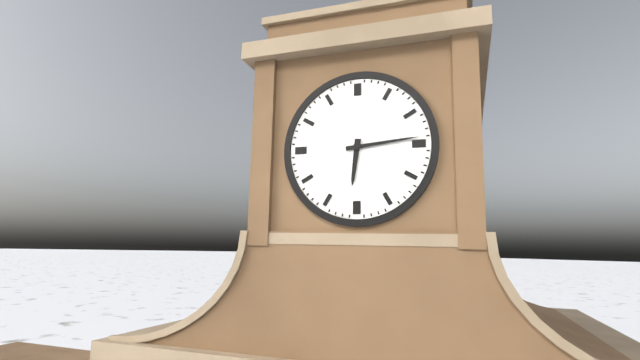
6:14
